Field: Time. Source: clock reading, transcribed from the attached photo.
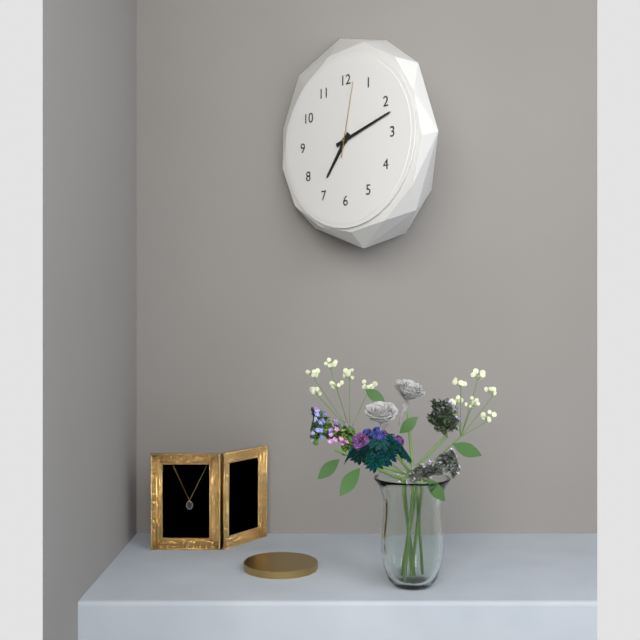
7:12:02
